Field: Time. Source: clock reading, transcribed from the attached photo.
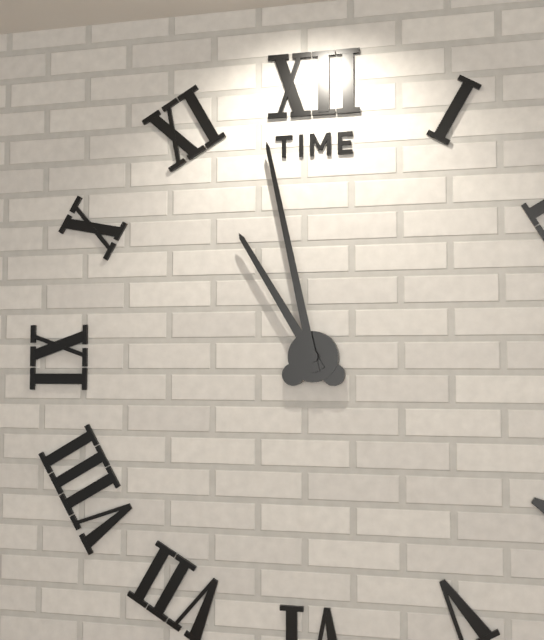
10:58
